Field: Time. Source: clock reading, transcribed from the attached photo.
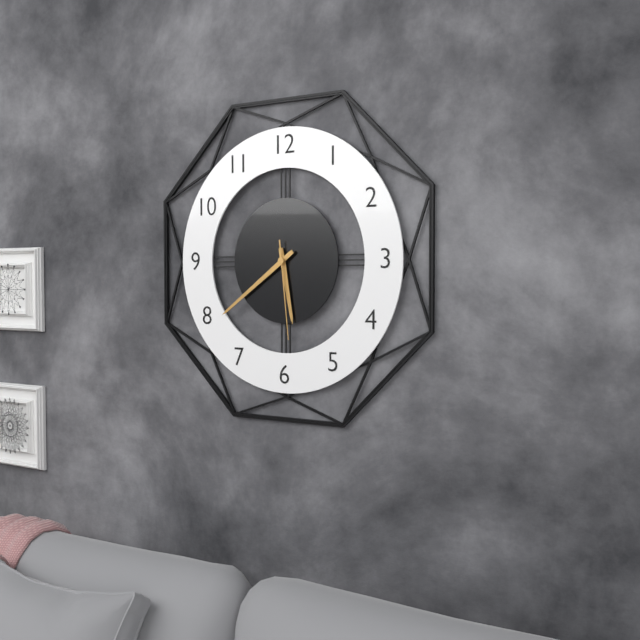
5:39:29
